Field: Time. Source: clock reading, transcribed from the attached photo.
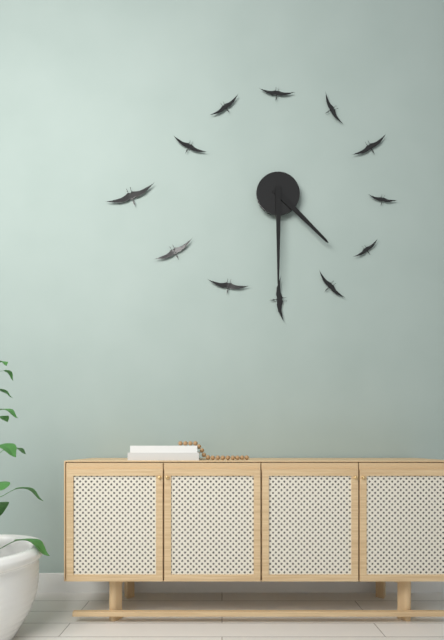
4:30
